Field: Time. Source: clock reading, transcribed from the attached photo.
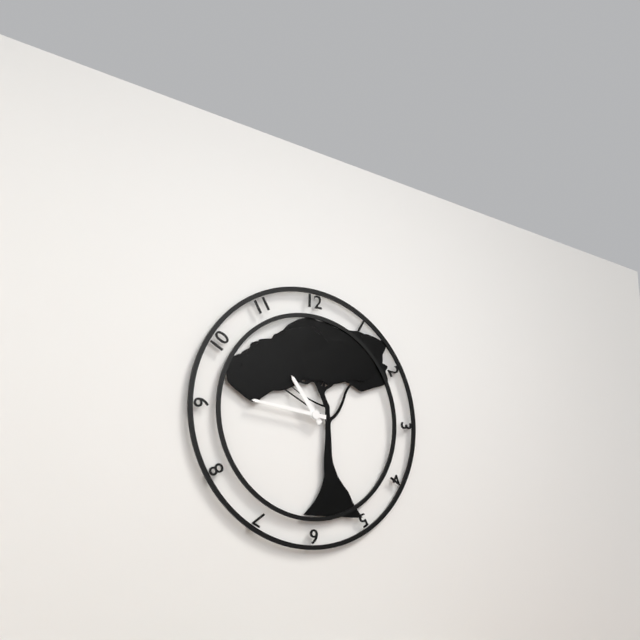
10:46
